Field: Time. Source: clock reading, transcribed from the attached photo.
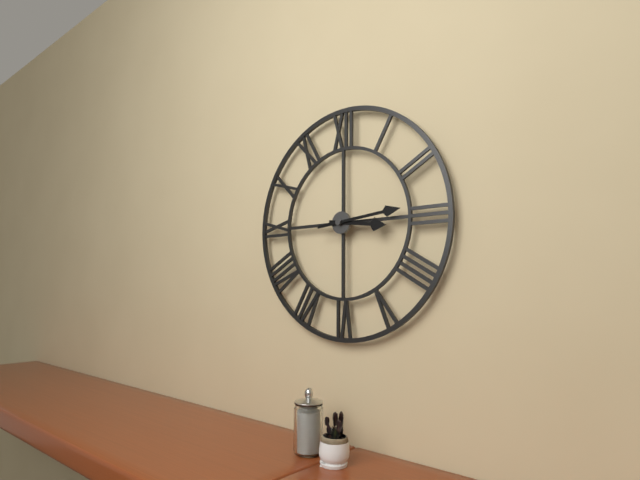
3:14
